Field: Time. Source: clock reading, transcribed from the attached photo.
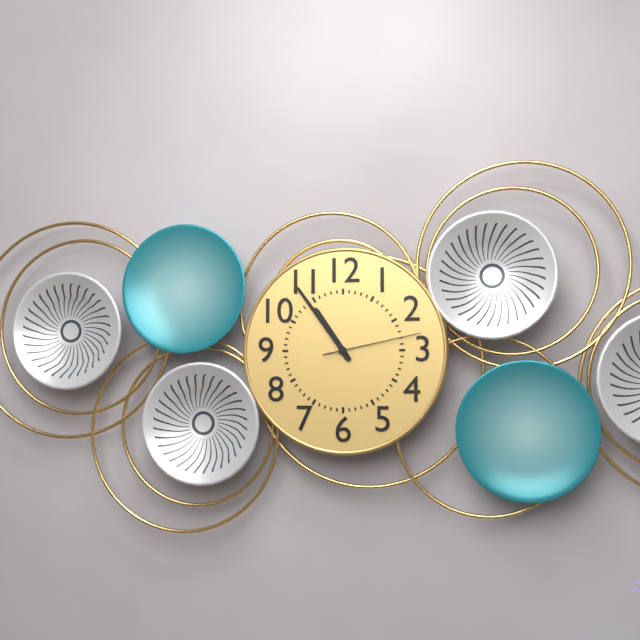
10:54:13
